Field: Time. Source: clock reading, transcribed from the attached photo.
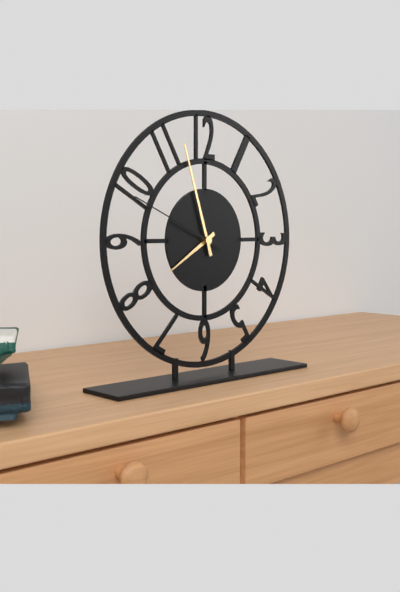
7:57:49
